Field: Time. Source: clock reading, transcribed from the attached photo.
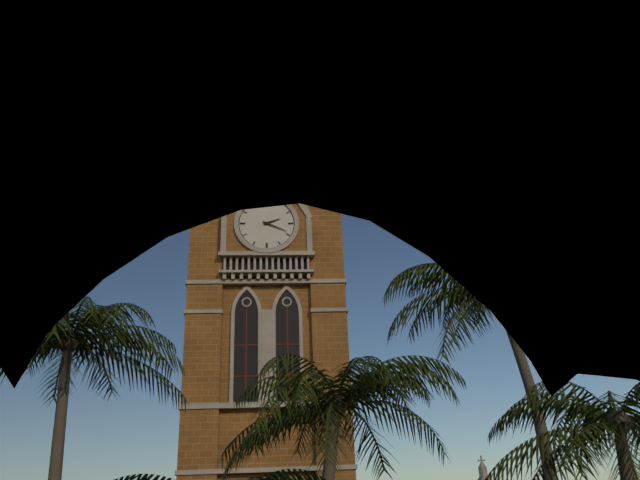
2:19
